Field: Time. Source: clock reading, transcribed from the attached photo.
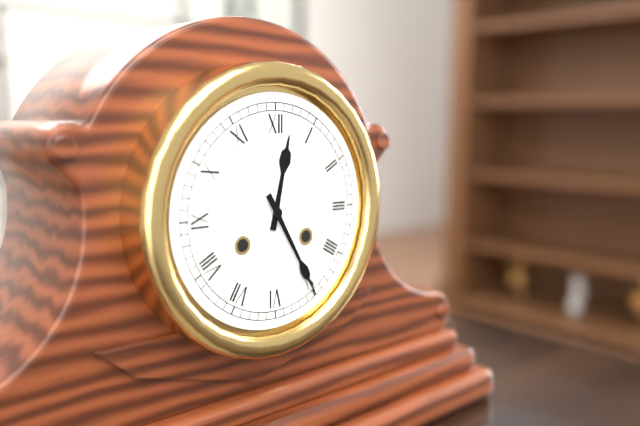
12:25
